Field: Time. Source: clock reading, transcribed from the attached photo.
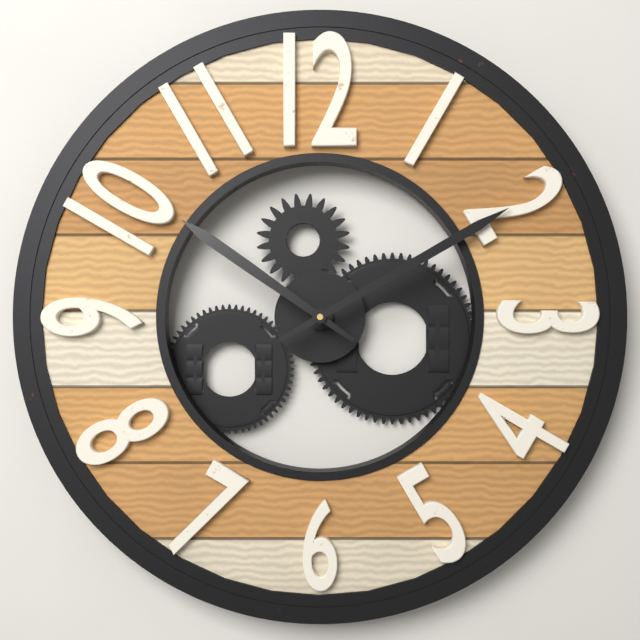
10:10
